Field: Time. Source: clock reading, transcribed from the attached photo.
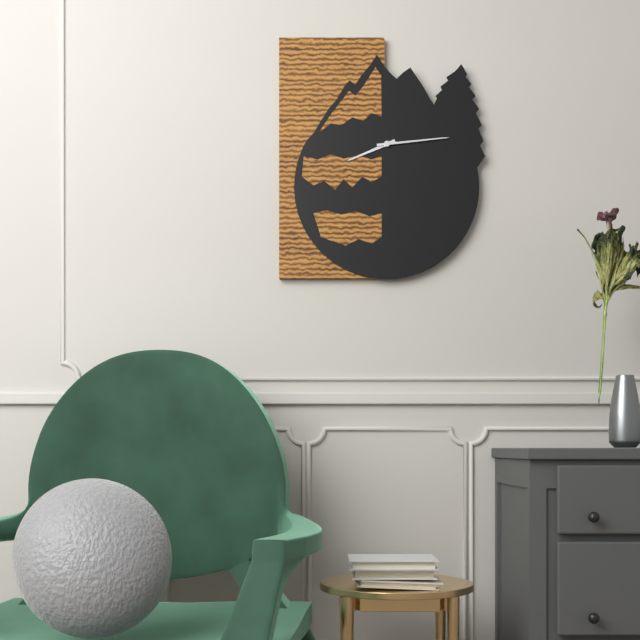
8:14
